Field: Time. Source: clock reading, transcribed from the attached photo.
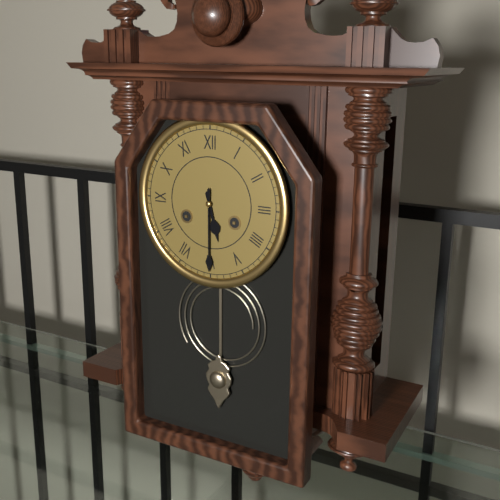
5:30
